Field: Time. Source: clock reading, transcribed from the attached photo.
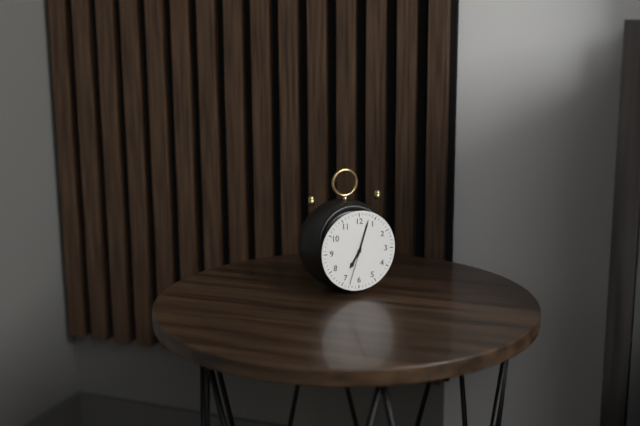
7:03:33
